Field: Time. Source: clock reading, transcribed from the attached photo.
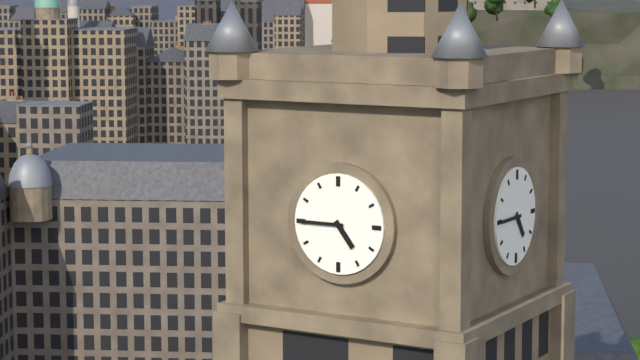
4:45
